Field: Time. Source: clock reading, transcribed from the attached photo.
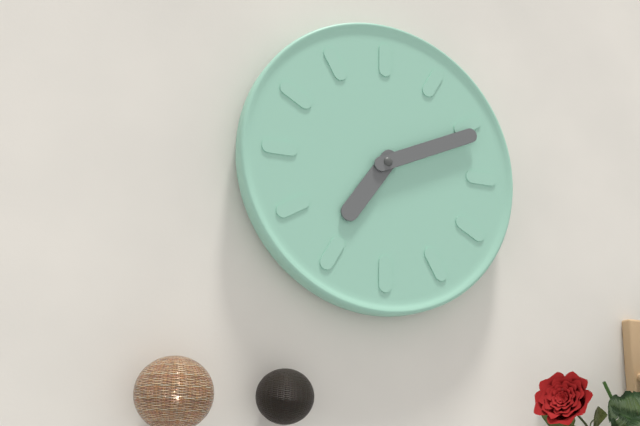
7:11
